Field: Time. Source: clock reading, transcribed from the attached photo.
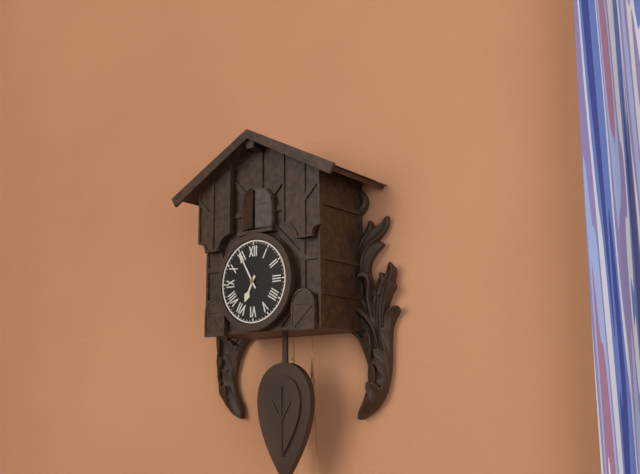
6:55
